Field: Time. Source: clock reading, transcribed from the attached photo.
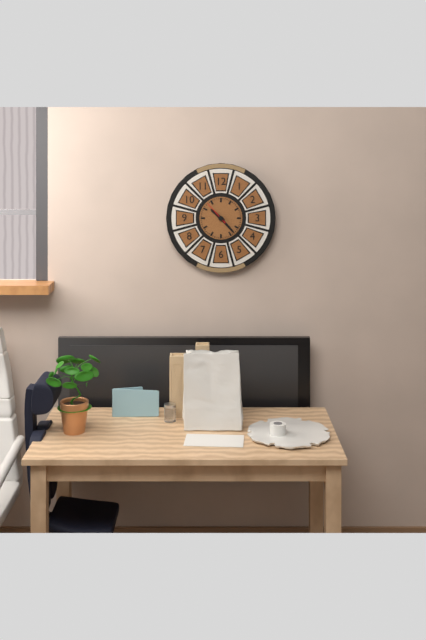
10:23
